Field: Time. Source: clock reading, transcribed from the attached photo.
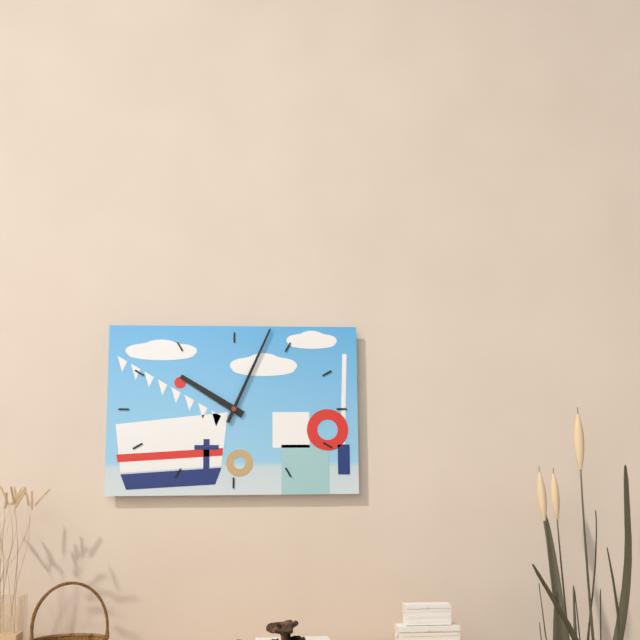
10:04
